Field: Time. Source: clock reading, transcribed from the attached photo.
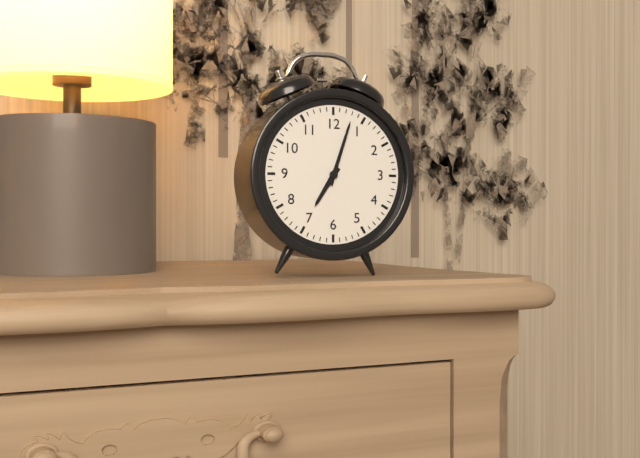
7:03
